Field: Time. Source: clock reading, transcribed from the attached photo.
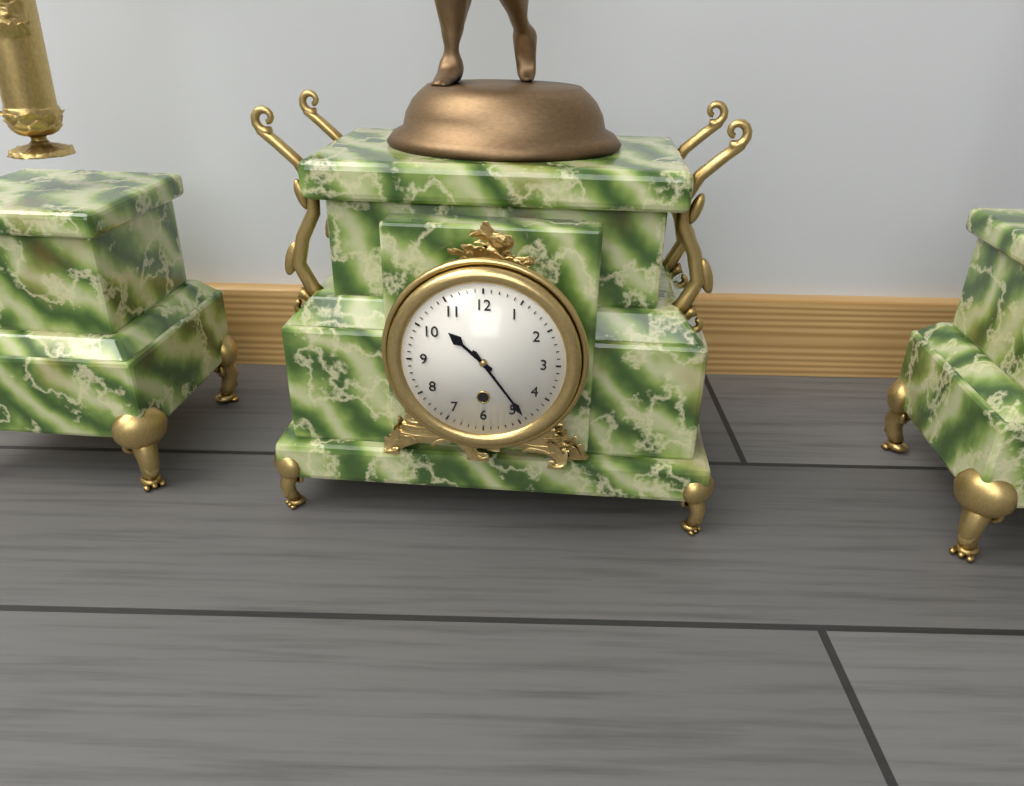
10:24
